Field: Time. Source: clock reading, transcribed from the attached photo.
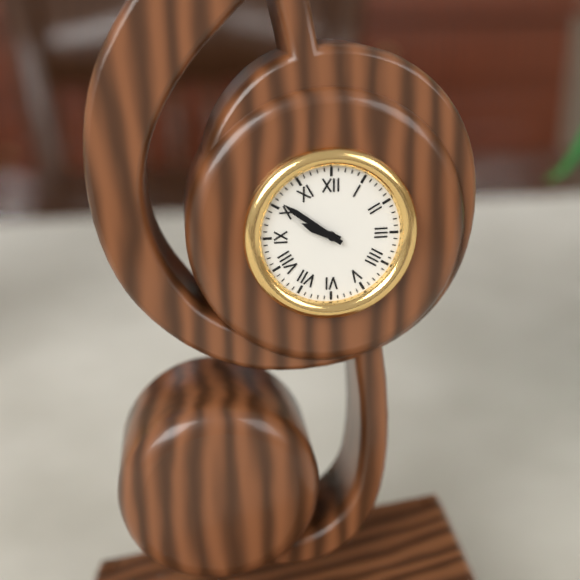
9:51
